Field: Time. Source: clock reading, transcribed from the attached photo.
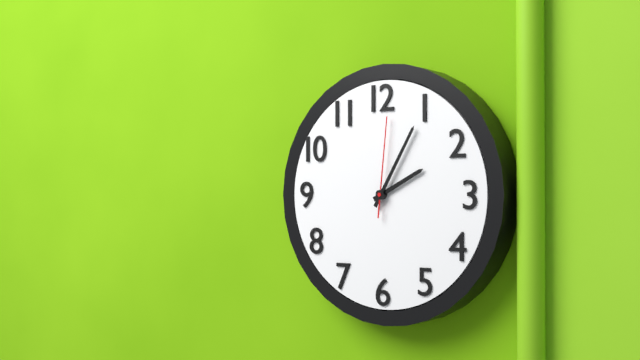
2:05:01
